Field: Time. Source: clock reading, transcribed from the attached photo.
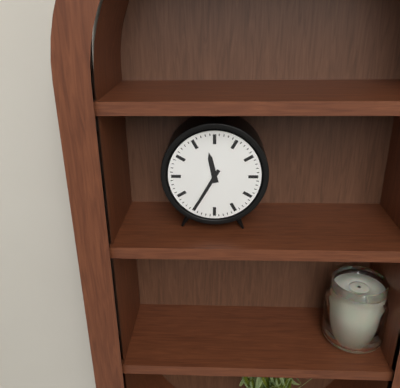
11:35
